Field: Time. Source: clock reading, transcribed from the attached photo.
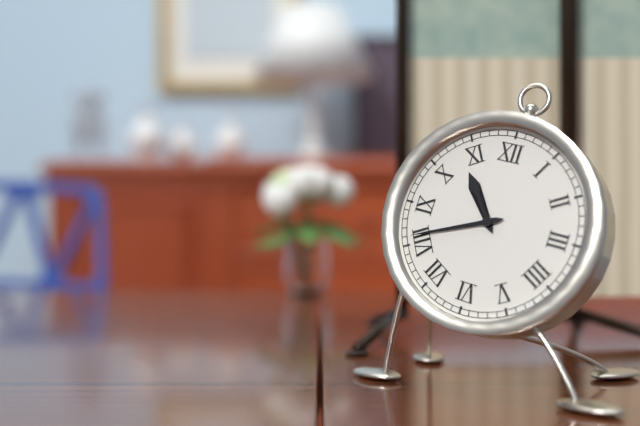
10:41
